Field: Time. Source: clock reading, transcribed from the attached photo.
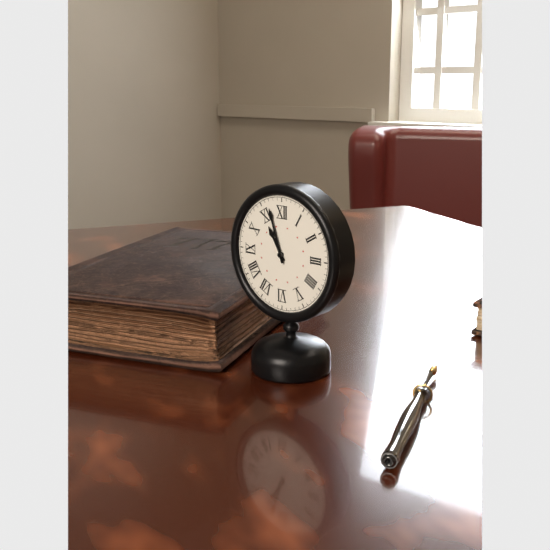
10:57
